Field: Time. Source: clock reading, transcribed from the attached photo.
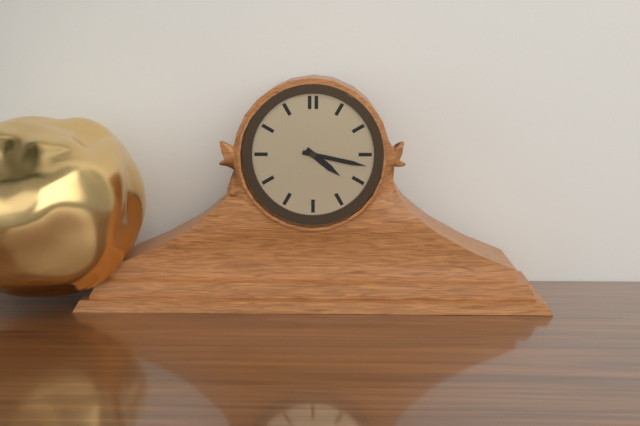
4:17
